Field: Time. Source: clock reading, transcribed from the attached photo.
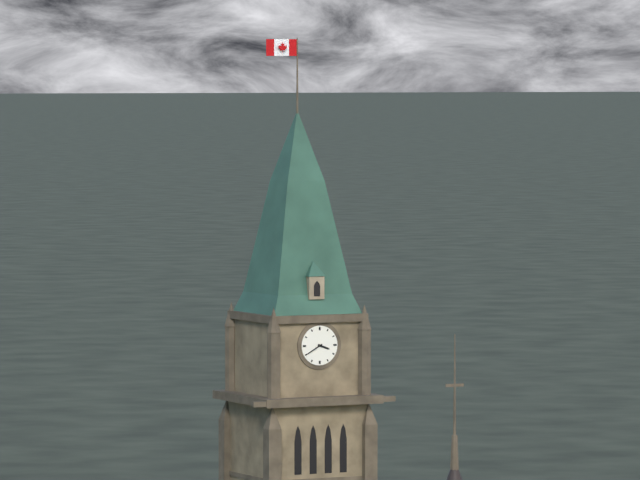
3:40
